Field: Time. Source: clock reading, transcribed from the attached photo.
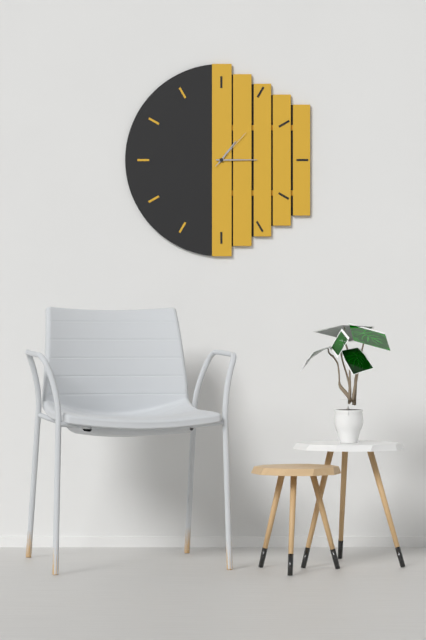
1:15
